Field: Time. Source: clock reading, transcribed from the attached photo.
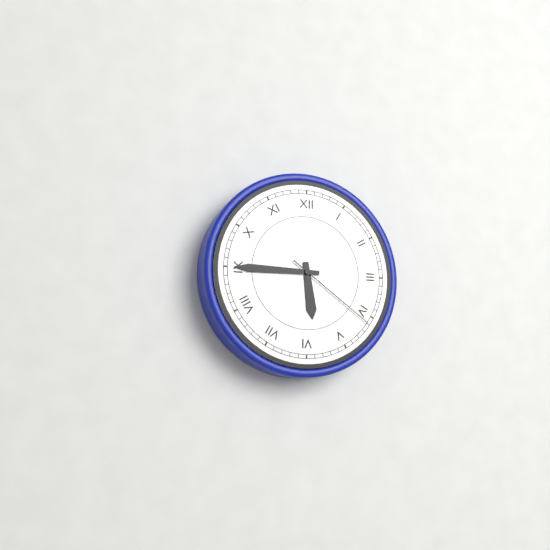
5:45:21
